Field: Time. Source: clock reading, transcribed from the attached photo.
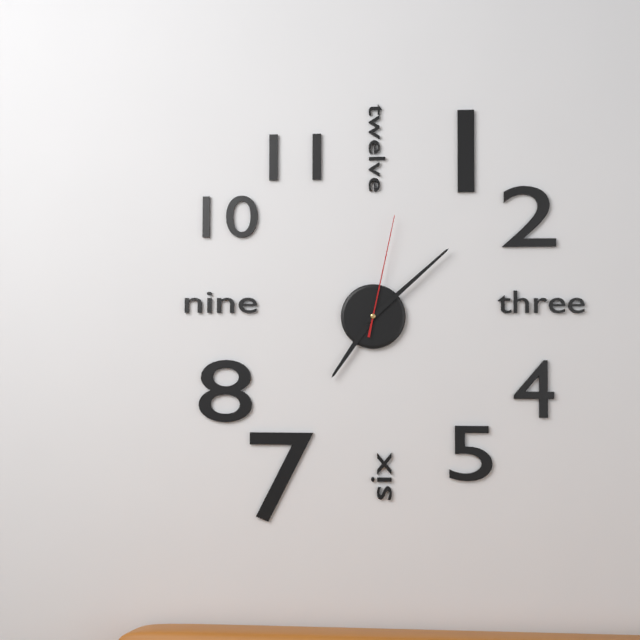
7:08:02
